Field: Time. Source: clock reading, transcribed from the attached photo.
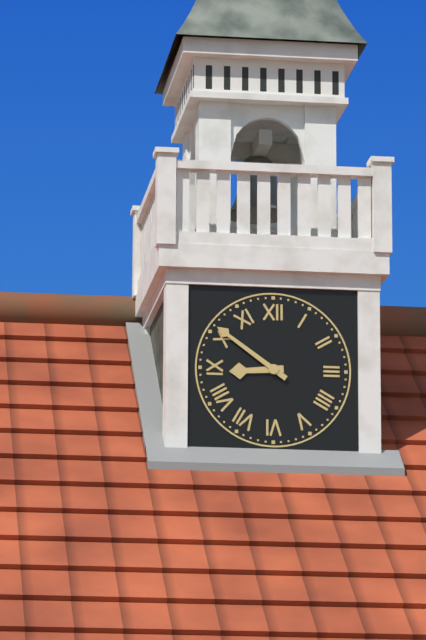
8:51
